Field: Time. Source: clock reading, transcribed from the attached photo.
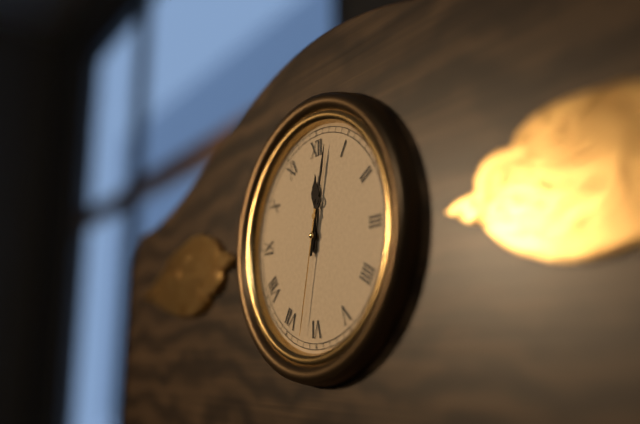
12:02:32
